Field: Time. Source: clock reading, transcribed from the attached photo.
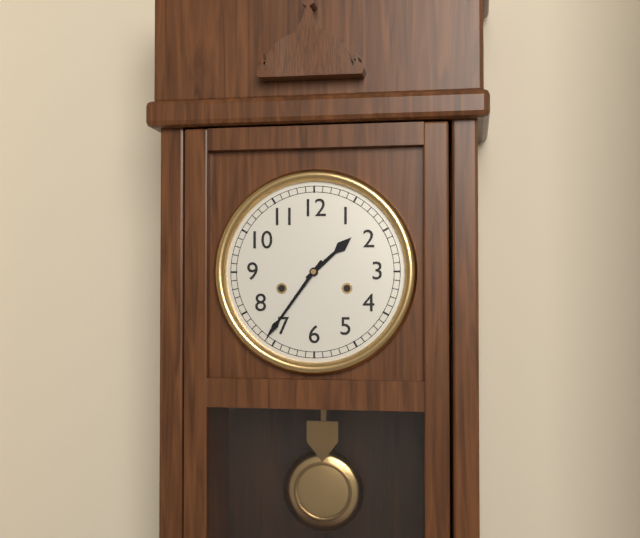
1:36
